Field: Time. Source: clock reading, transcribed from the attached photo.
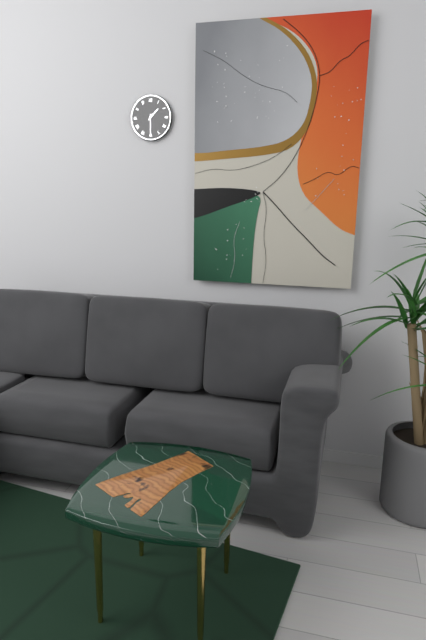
1:30
